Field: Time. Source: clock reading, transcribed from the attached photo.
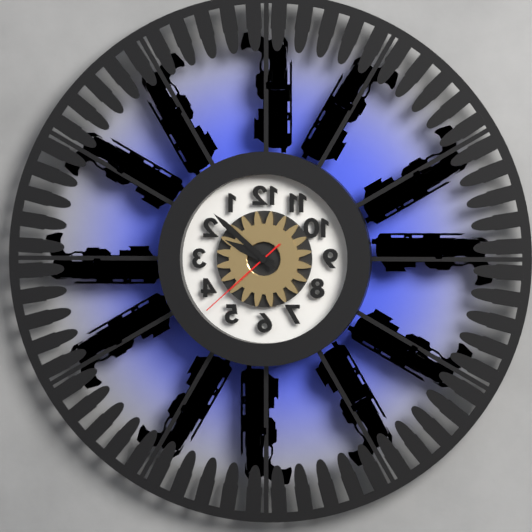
9:52:38
